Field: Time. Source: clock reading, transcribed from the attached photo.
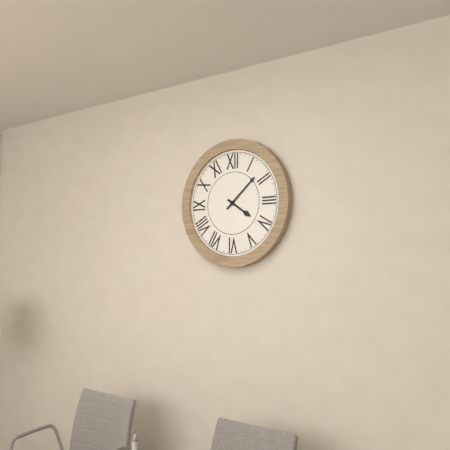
4:08
